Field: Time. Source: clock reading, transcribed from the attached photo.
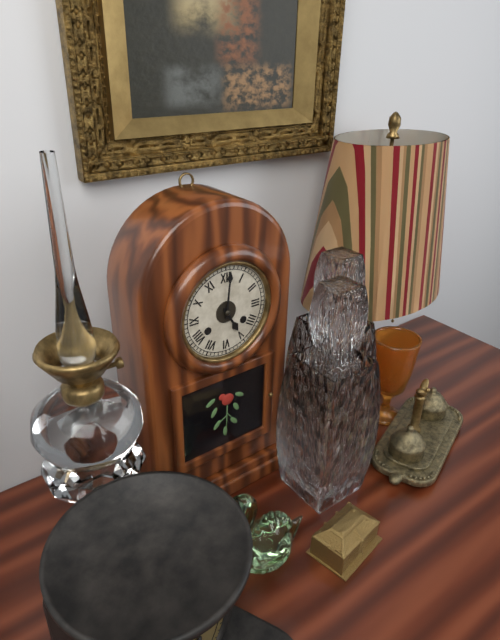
5:01
